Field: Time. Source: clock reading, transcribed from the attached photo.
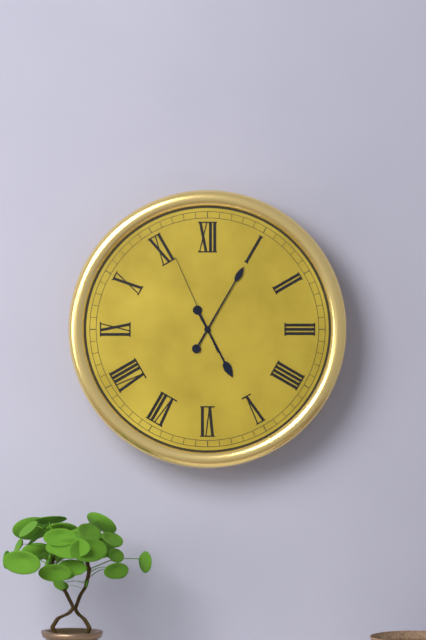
5:05:56
